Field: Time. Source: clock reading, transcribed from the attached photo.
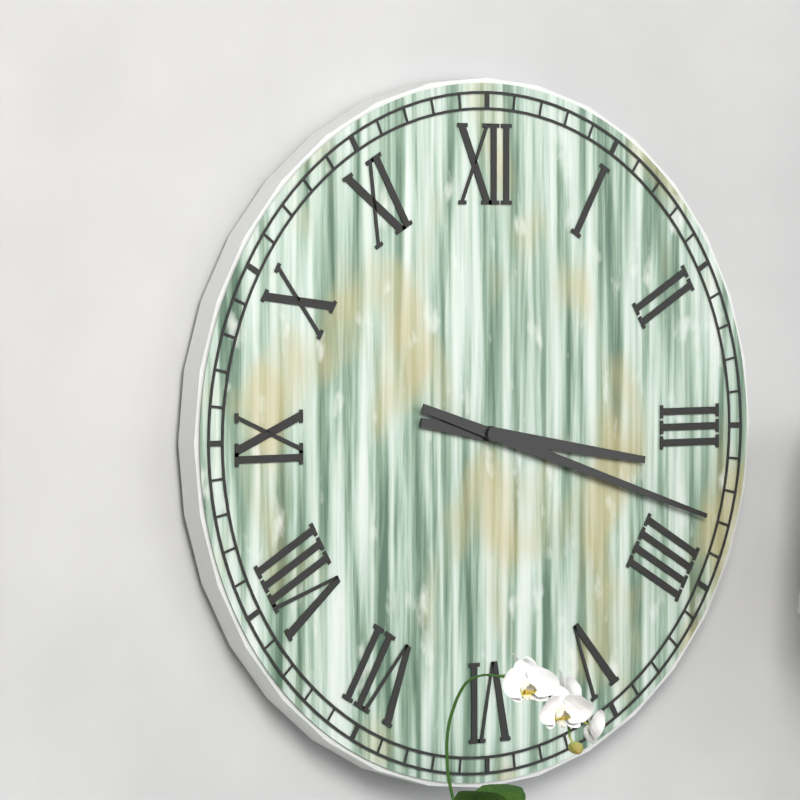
3:18
